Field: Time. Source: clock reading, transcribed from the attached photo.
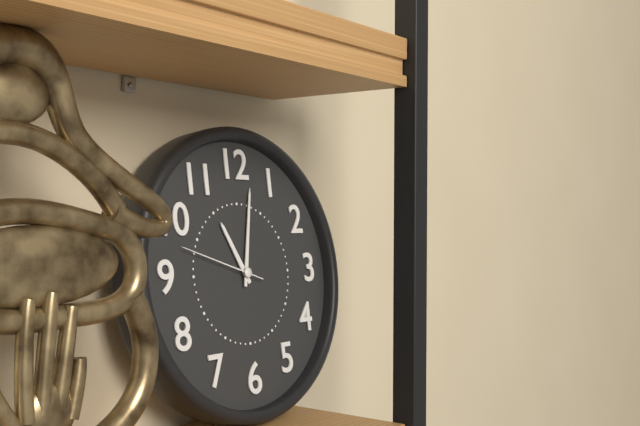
11:02:48
